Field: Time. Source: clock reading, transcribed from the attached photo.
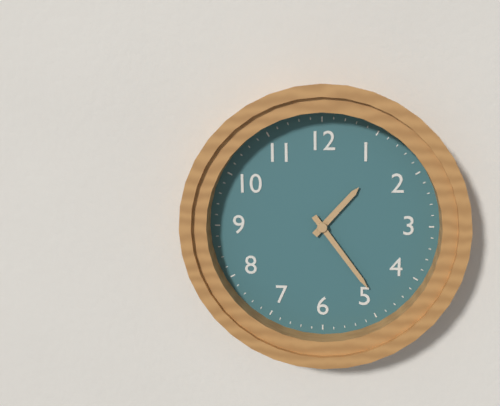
1:24
